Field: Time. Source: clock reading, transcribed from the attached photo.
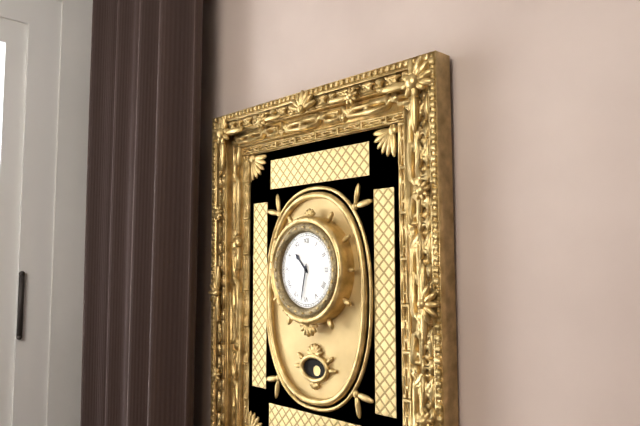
10:32
